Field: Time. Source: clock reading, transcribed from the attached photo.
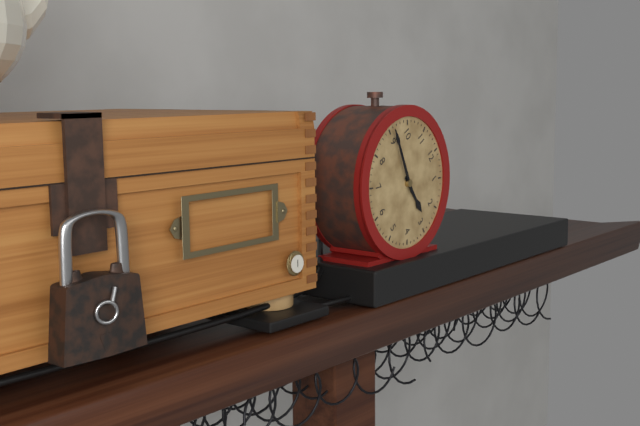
2:46
